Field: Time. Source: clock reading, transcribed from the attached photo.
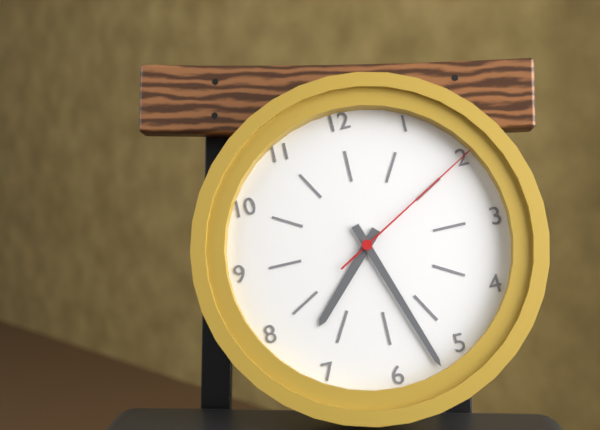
7:27:10
